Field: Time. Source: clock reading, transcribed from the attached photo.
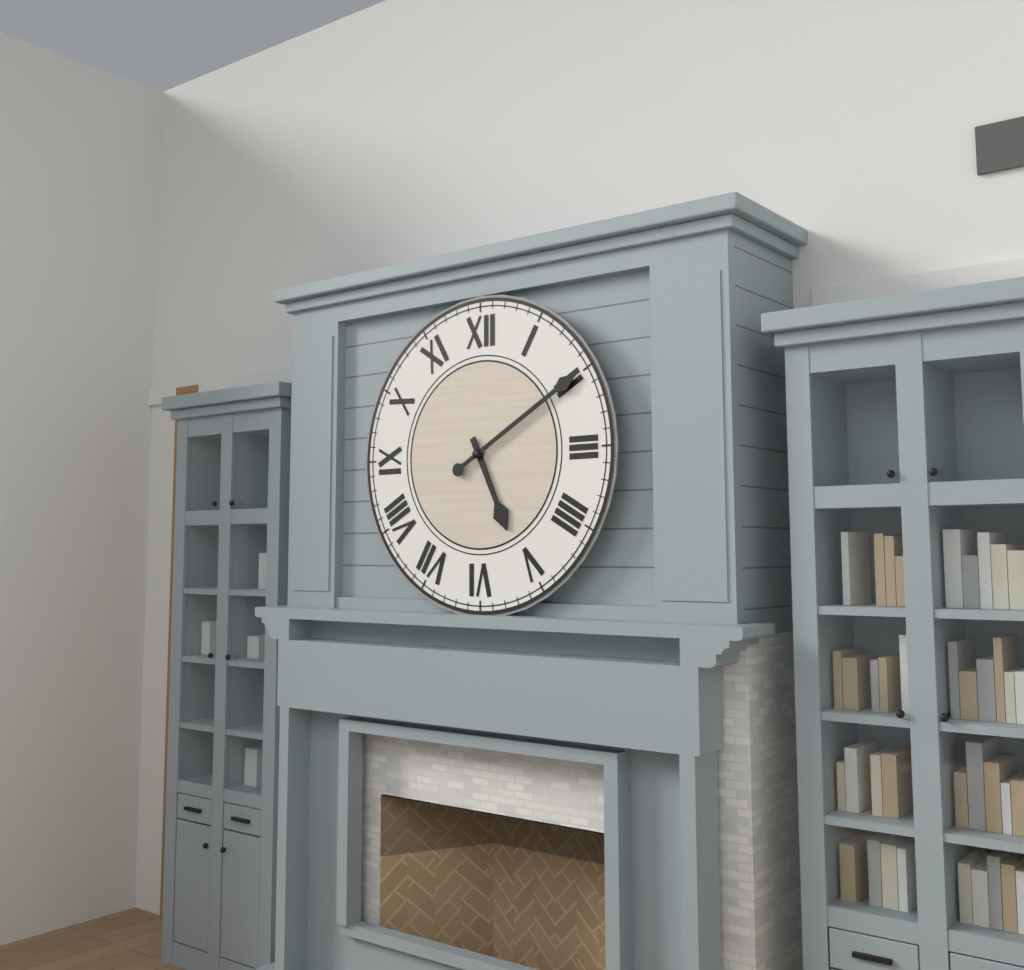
5:10
